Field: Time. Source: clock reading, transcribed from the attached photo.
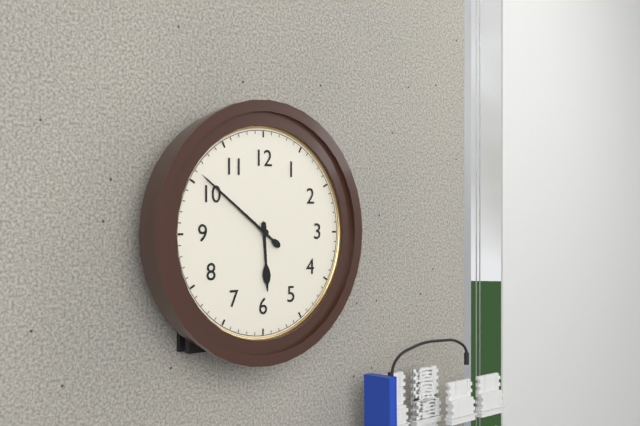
5:51
